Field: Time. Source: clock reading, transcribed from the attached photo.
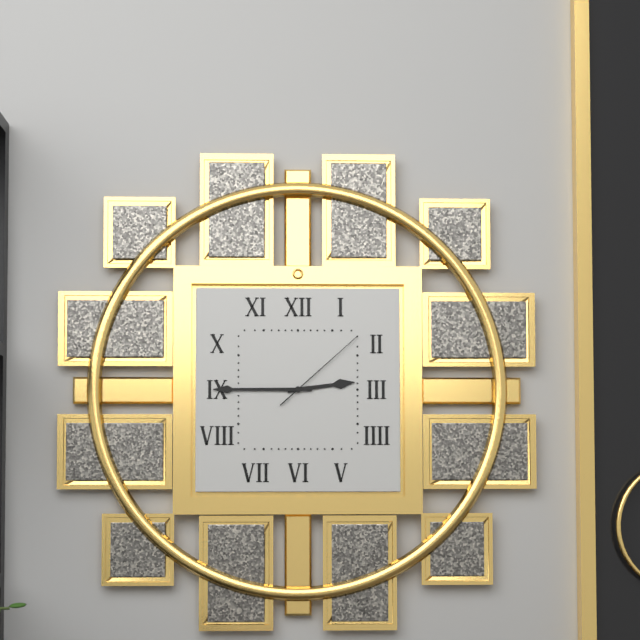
2:45:08
